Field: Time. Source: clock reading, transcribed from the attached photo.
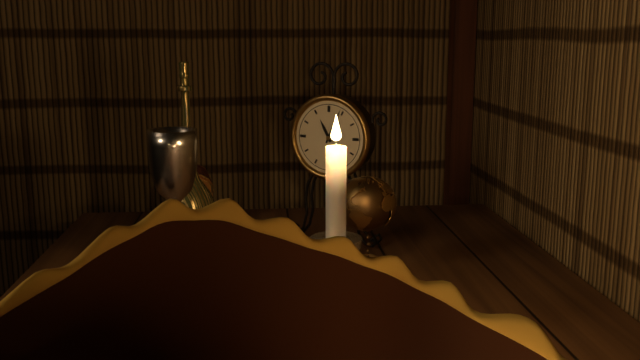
11:04
